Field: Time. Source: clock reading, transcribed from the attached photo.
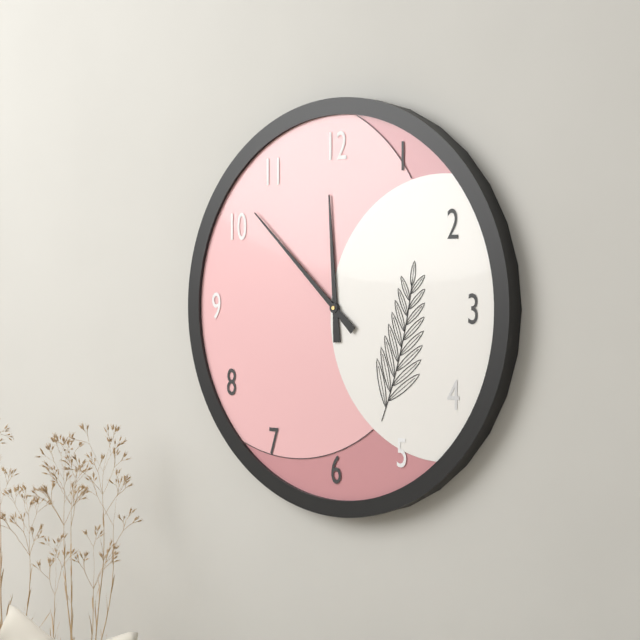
11:52
